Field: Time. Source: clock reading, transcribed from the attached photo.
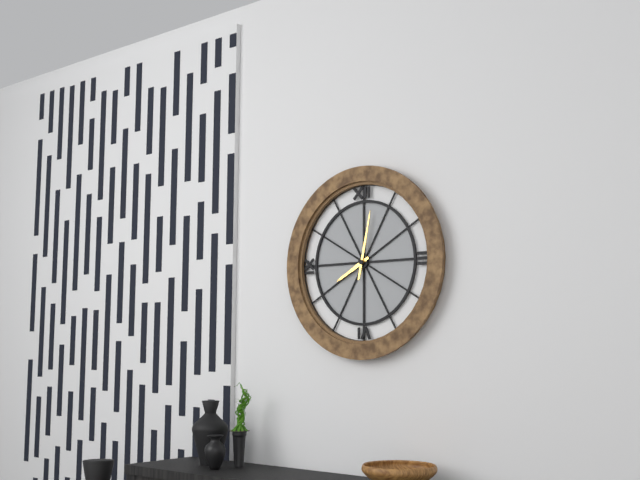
8:02
